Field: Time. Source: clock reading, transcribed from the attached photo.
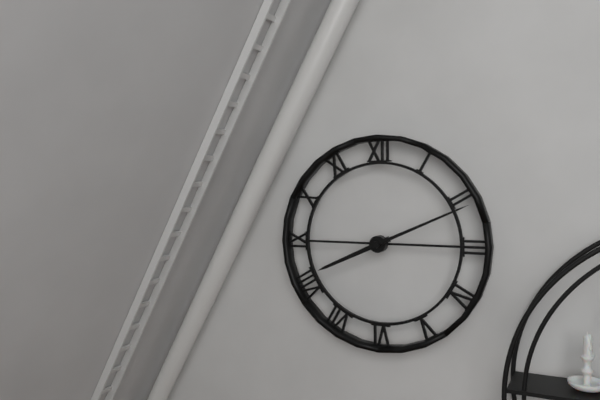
8:11
